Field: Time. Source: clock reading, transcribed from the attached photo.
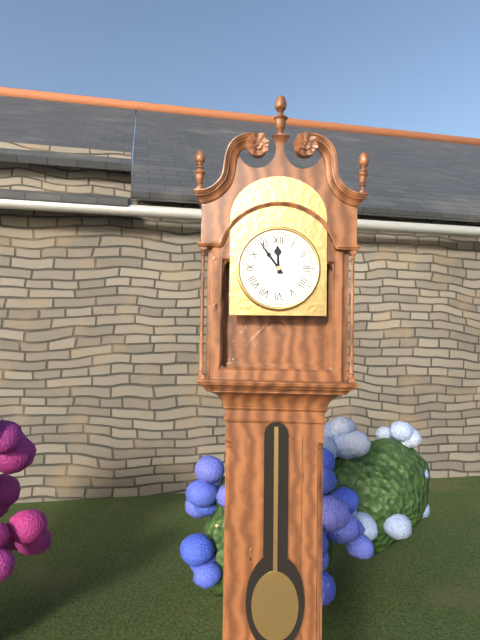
11:54
